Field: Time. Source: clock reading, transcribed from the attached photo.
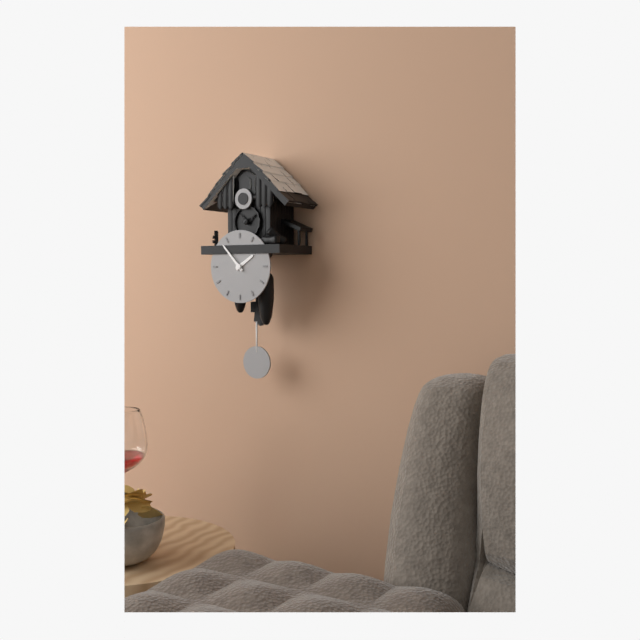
1:53
